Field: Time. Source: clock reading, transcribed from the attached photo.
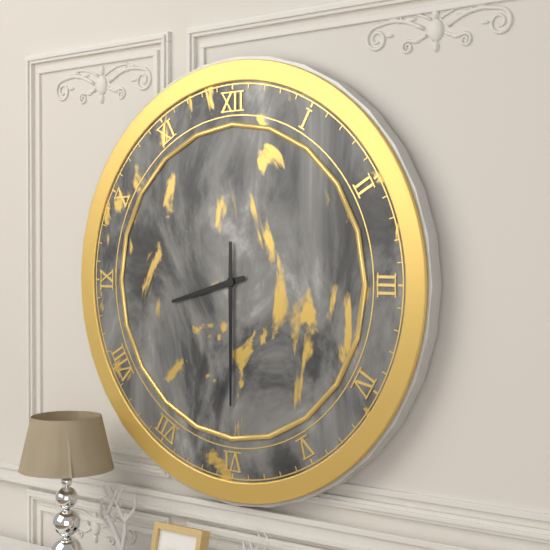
8:30
